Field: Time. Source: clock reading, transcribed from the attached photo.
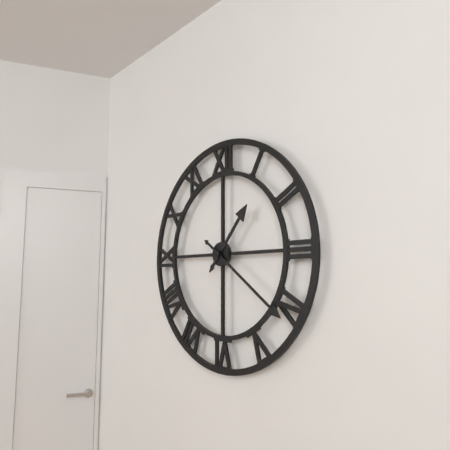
1:21
